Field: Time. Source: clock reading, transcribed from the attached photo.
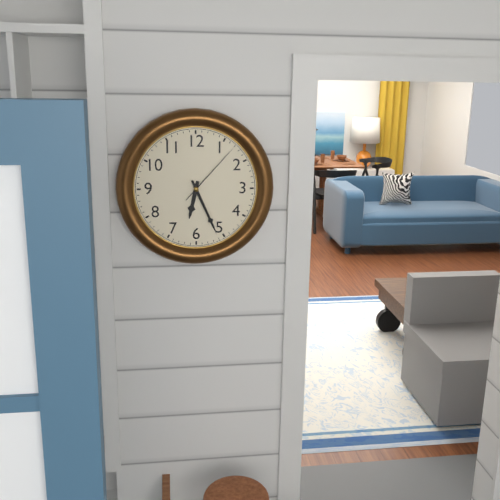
6:26:07
